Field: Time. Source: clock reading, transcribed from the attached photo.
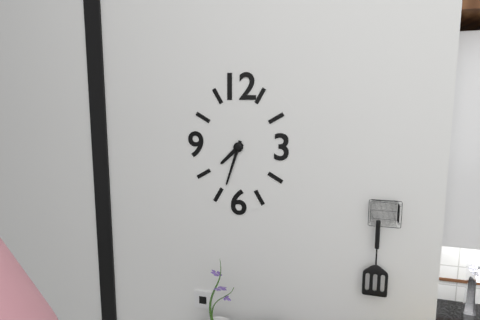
7:33
